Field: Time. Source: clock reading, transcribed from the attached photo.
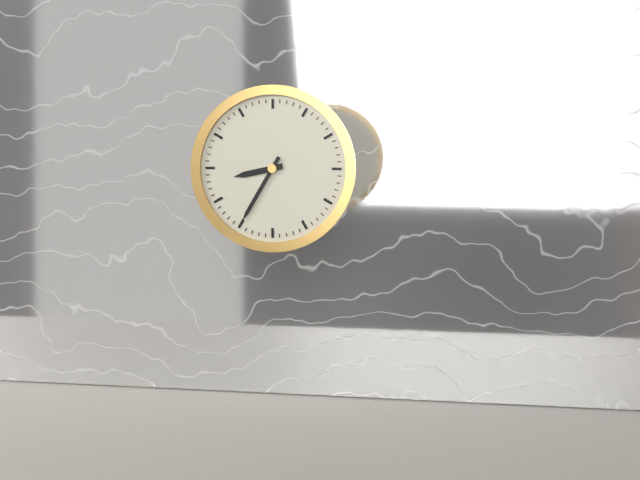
8:35
